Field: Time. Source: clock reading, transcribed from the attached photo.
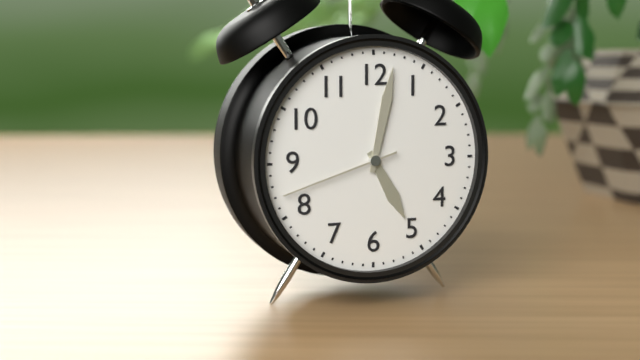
5:02:42
